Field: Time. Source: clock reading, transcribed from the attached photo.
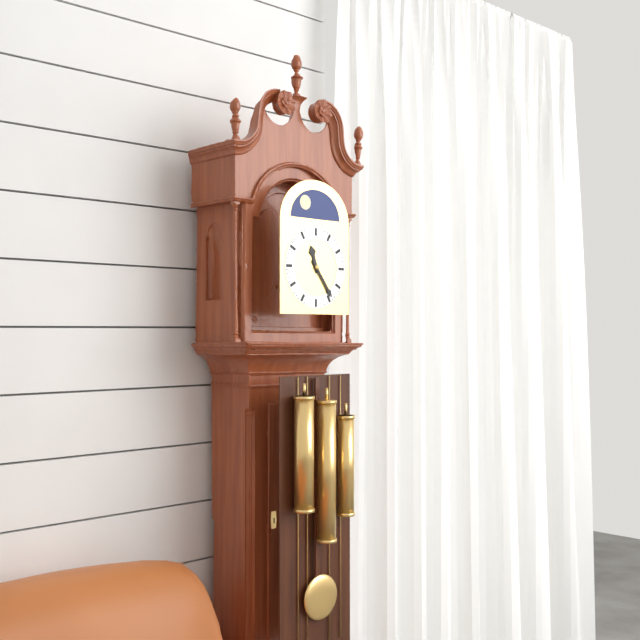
11:24
